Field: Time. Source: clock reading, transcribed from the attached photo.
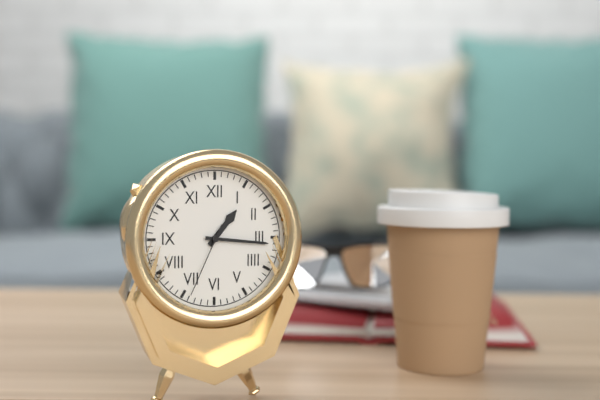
1:16:34
